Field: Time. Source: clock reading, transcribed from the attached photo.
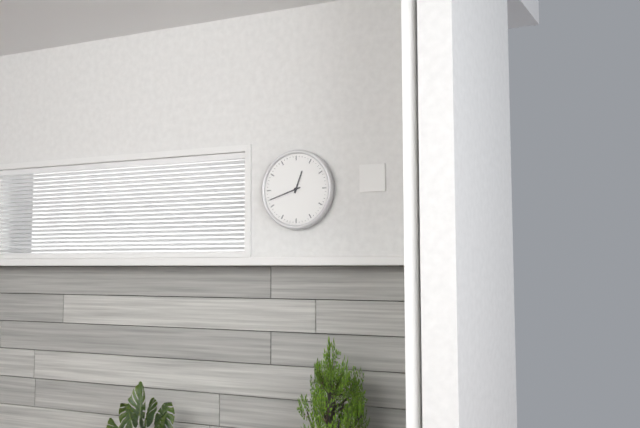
12:42
